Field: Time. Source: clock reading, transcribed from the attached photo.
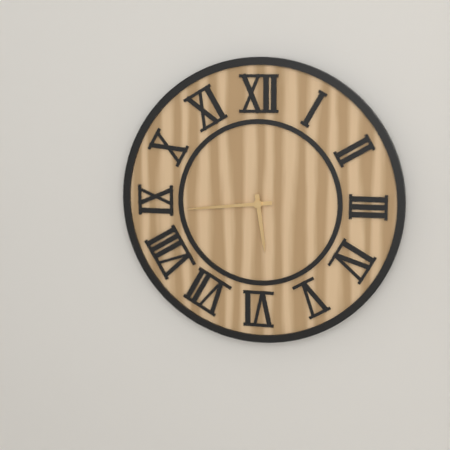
5:44
